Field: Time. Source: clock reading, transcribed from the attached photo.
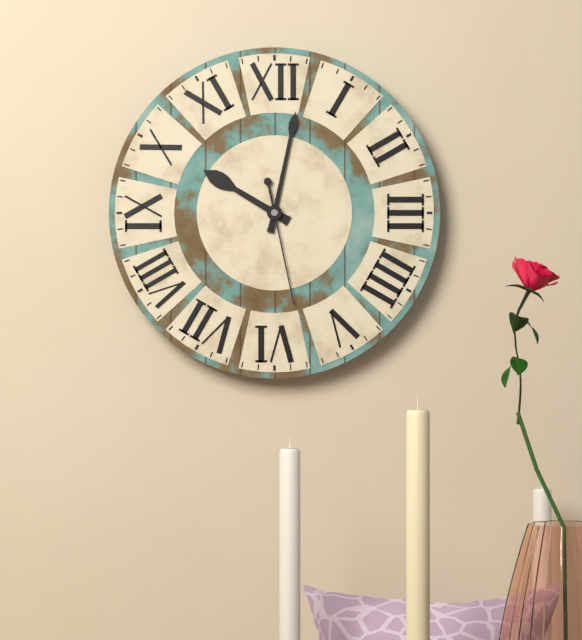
10:02:28
